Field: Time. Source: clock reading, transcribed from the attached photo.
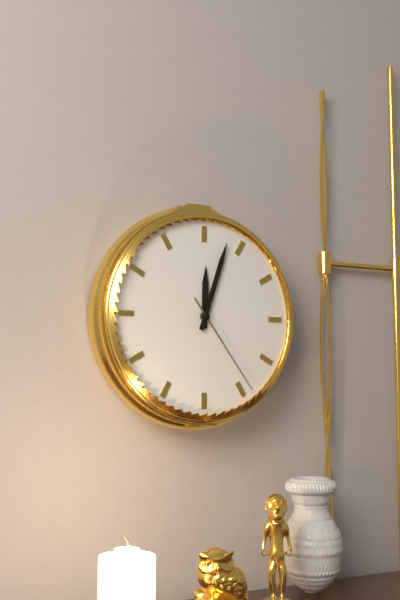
12:03:24
